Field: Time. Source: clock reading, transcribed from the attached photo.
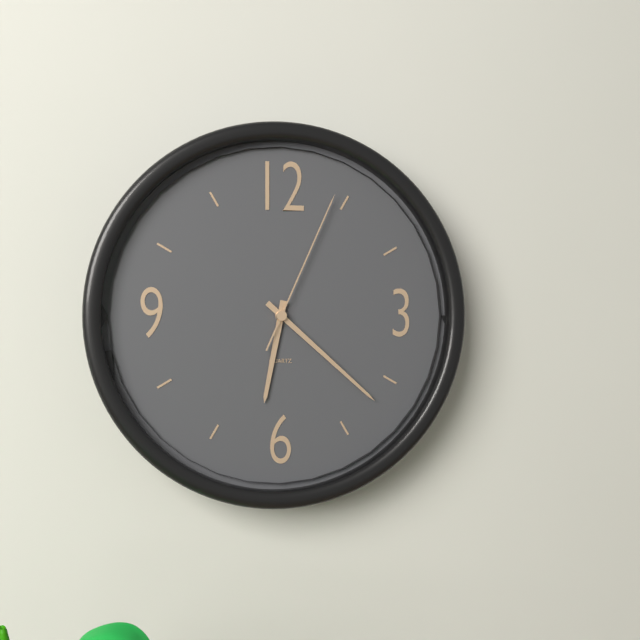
6:22:04
